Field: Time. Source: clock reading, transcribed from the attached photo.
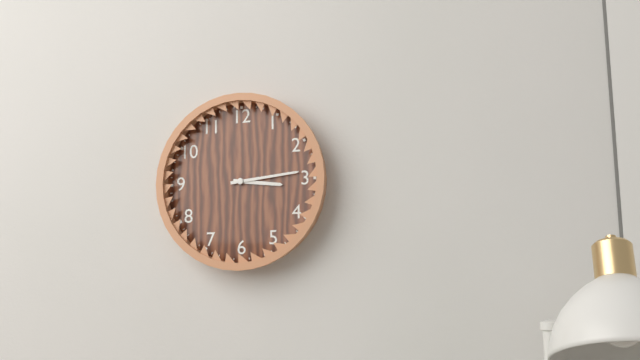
3:14
